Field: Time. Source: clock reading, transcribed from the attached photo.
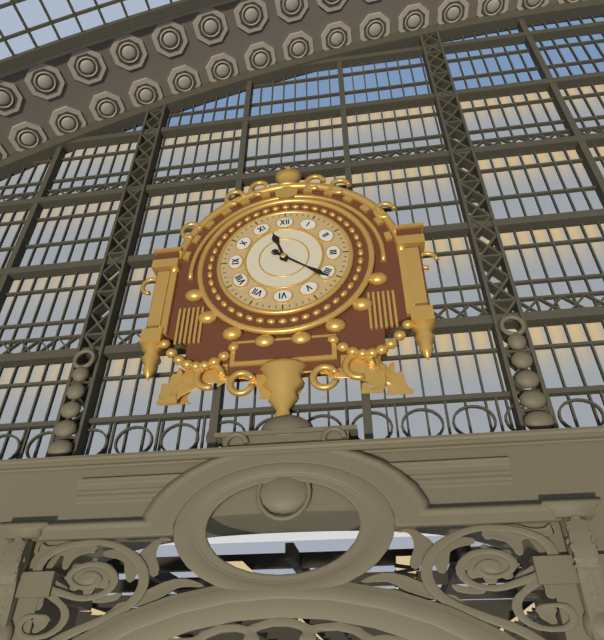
11:21
